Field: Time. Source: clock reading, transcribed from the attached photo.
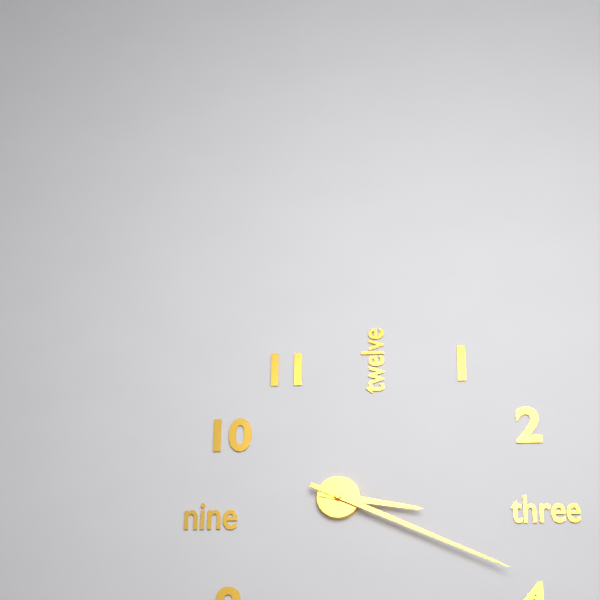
3:19
